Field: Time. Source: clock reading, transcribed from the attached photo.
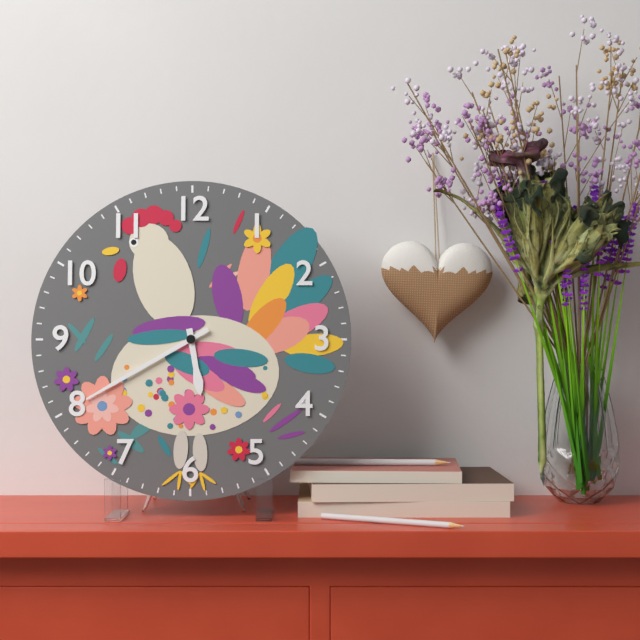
5:40
